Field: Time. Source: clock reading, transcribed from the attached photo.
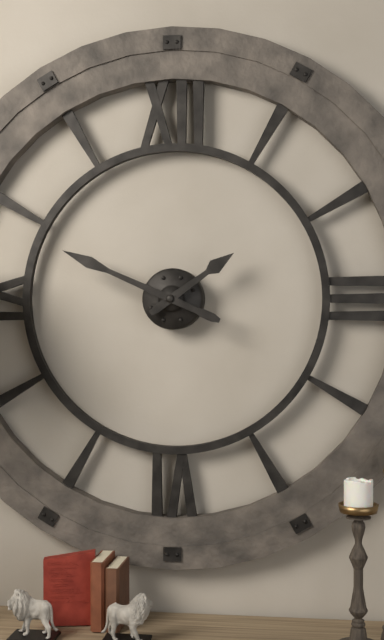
1:49
